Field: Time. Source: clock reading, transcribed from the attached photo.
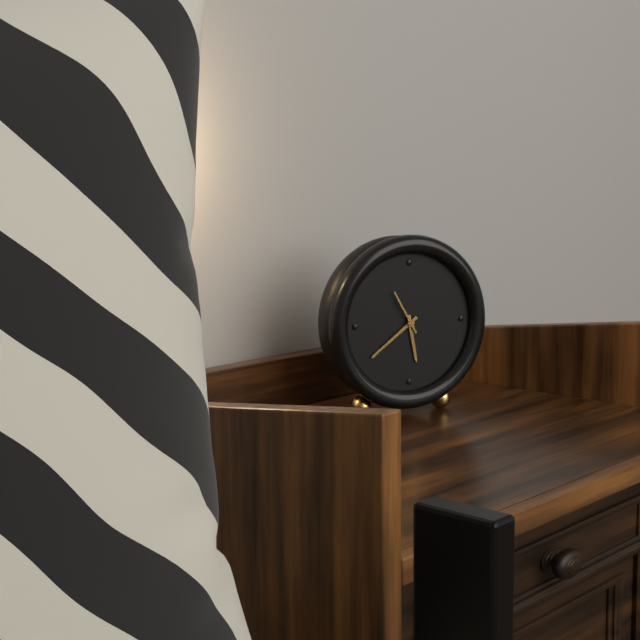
5:39
